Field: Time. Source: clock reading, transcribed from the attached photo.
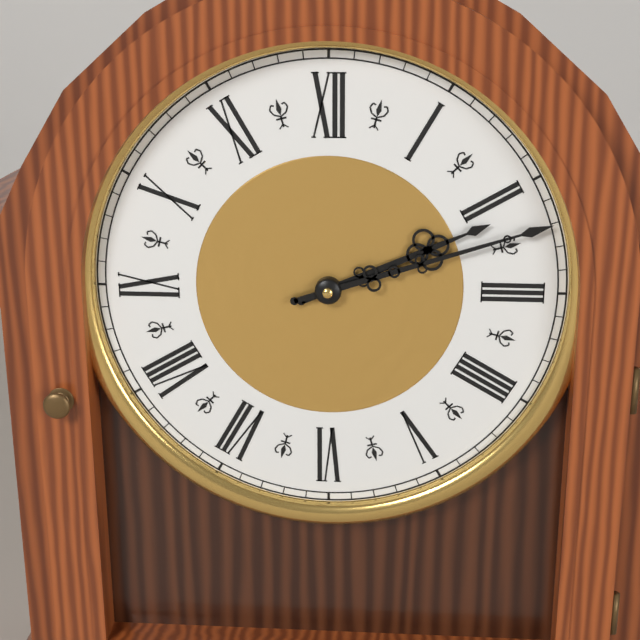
2:12
